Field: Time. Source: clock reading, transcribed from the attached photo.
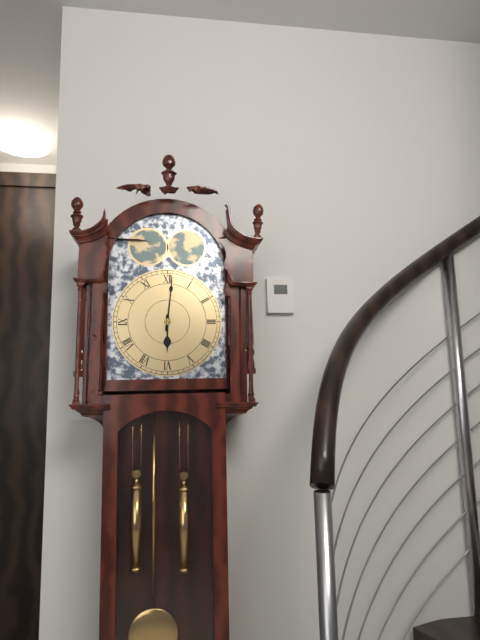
6:01
